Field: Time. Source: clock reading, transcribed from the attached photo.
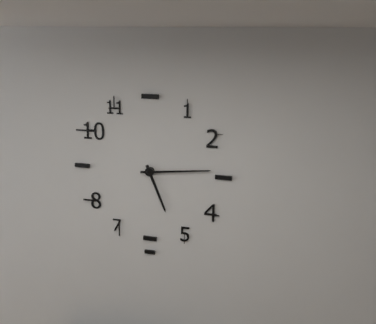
5:14
